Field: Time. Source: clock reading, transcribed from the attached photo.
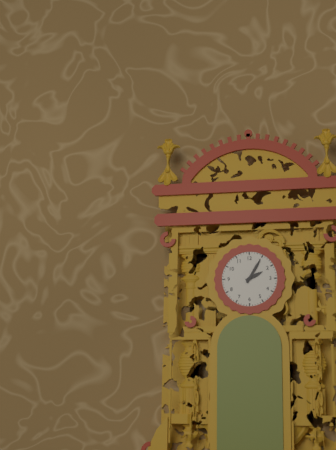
2:05
